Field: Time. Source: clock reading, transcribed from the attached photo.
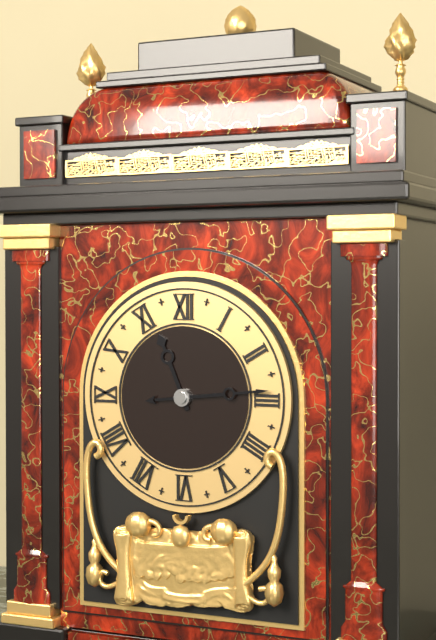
11:14
